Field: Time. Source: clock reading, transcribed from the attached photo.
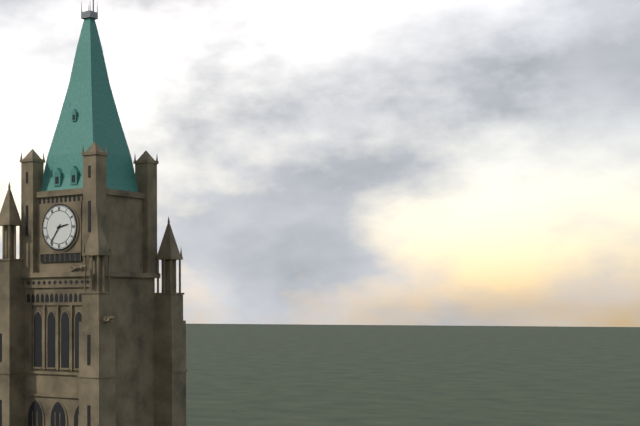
2:36
